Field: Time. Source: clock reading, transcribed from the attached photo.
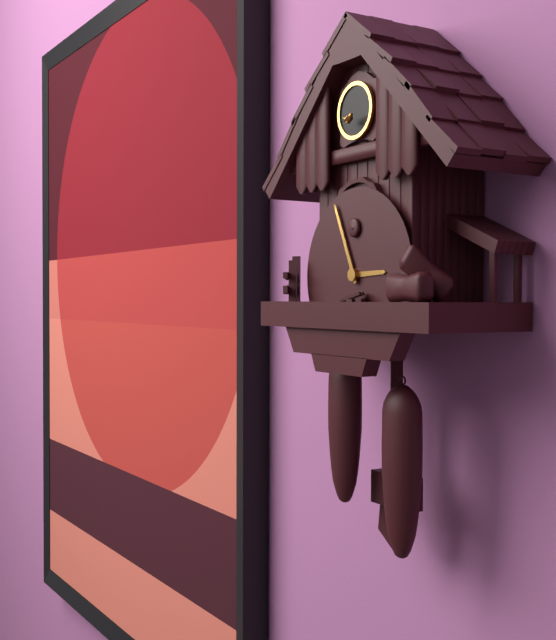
2:56
